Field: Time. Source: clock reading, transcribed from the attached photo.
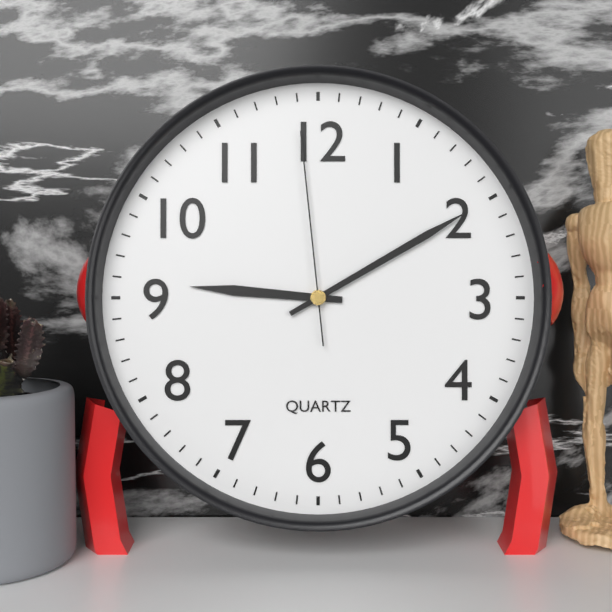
9:10:59
